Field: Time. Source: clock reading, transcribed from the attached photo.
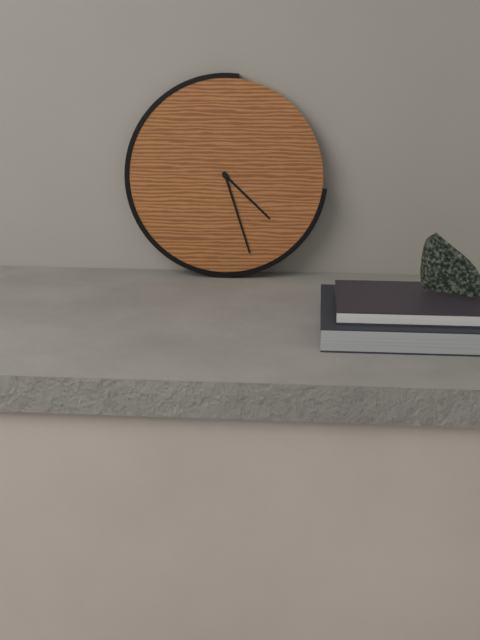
4:27
